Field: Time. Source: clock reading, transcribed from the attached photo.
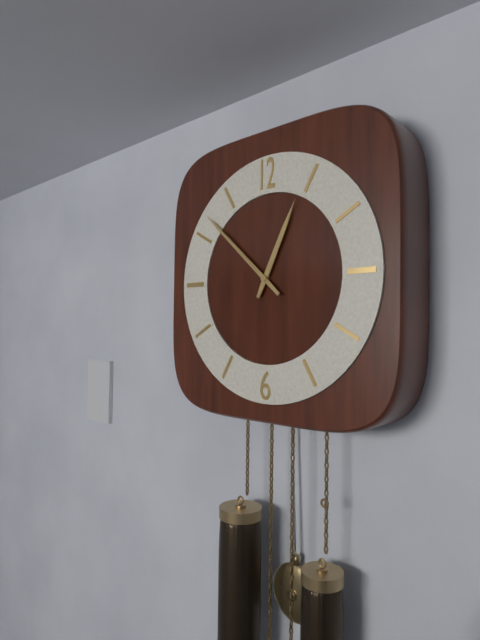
12:52
